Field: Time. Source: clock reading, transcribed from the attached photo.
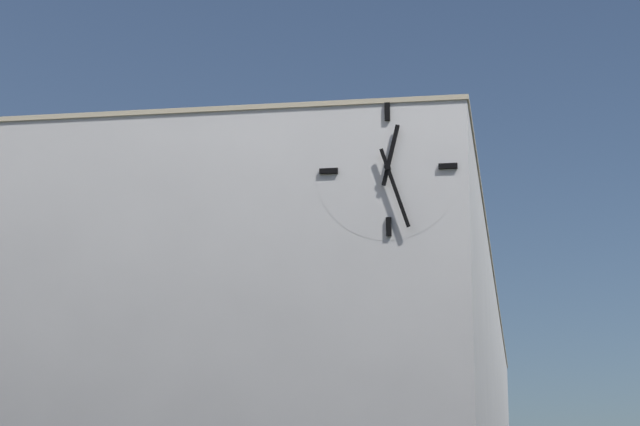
12:27
